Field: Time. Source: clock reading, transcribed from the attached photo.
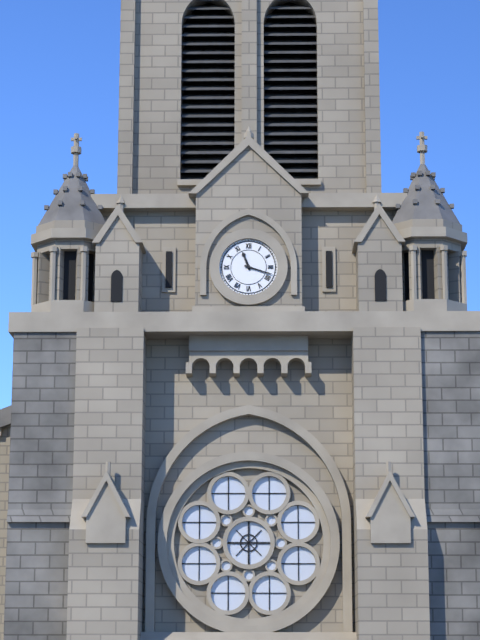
11:18
